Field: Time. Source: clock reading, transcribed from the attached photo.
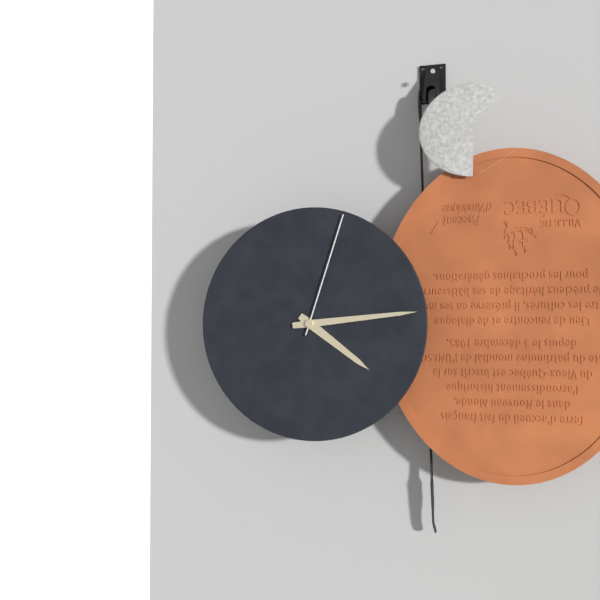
4:14:03
